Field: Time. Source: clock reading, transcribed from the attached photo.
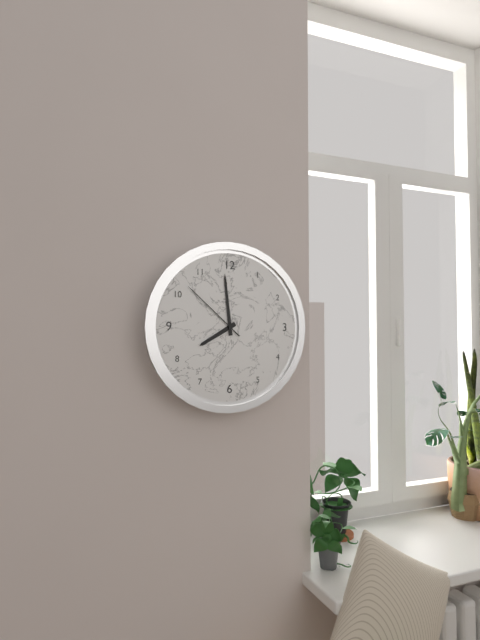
7:59:52
